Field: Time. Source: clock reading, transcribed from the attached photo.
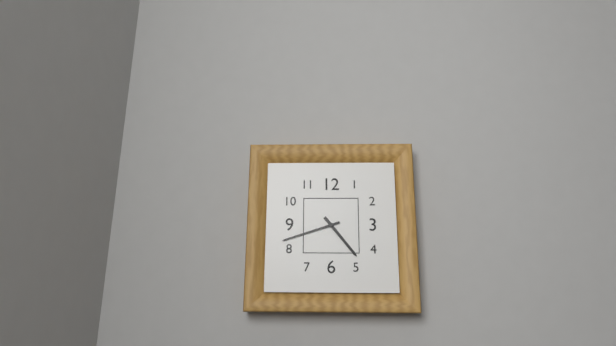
4:42
